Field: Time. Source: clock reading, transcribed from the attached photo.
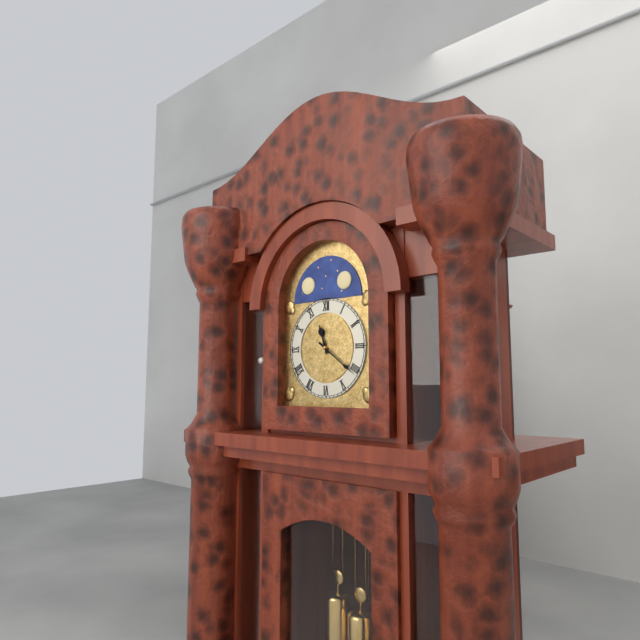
11:21
